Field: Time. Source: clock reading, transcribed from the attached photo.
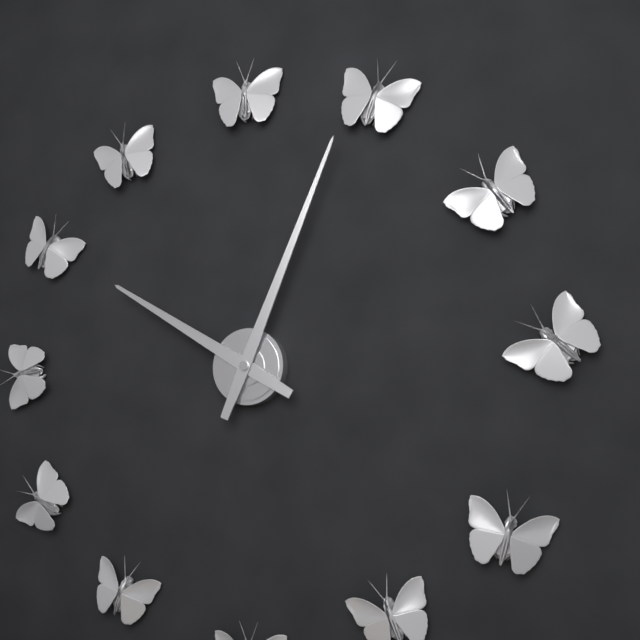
10:04
